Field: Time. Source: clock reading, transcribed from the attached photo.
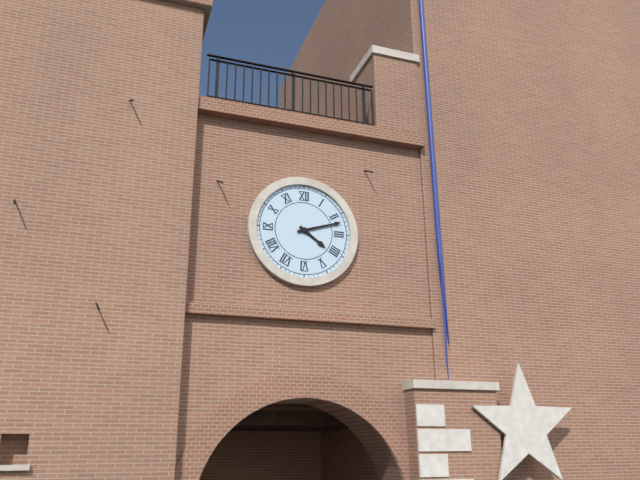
4:12
